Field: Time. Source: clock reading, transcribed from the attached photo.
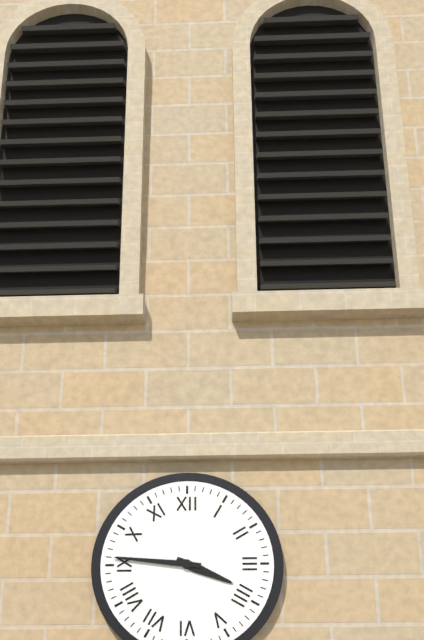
3:46
